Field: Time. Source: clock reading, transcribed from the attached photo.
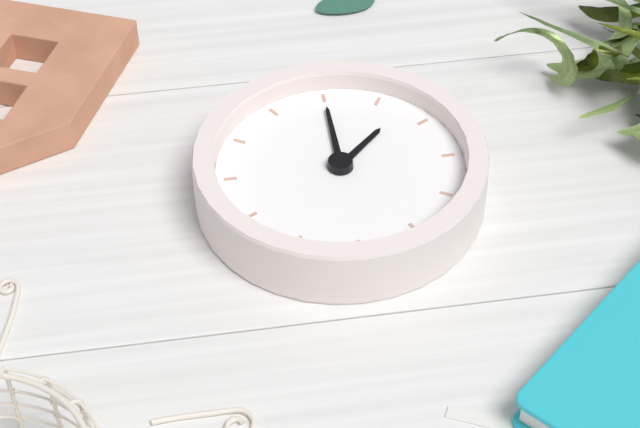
7:30
